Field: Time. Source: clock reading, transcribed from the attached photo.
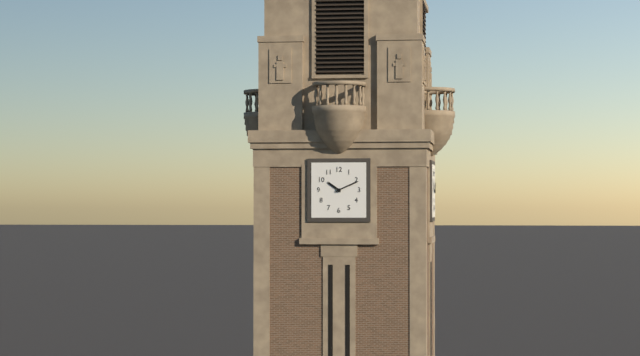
10:11
